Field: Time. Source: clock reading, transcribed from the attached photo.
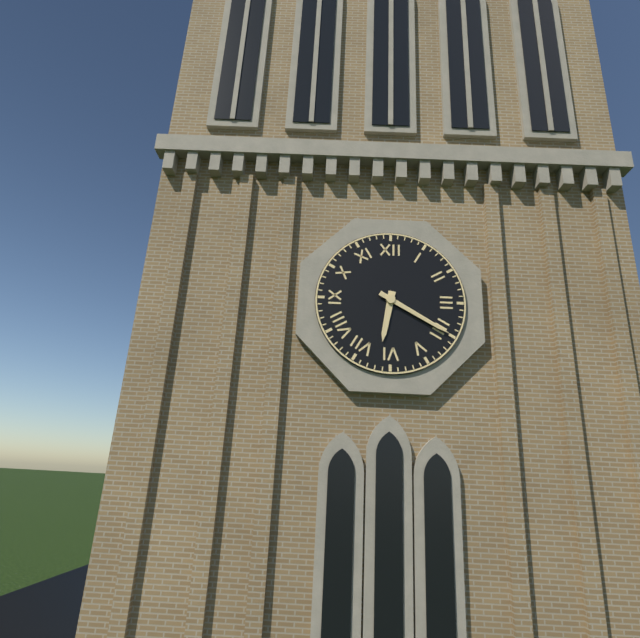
6:20
